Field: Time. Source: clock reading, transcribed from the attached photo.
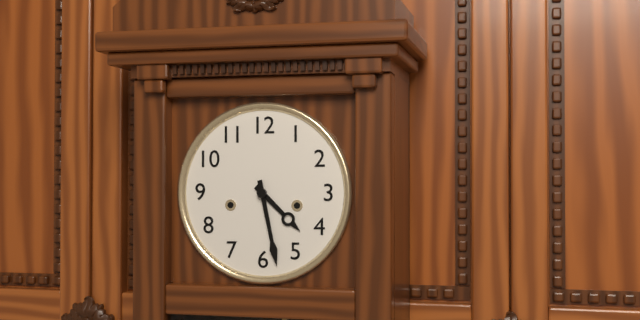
4:28
